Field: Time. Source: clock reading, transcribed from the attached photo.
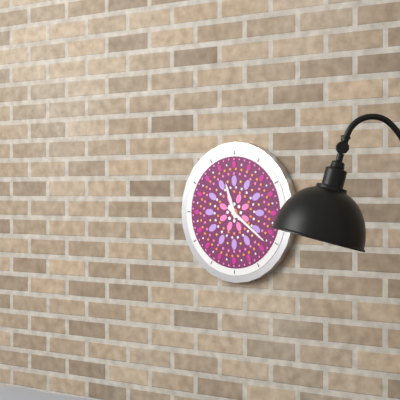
11:21
